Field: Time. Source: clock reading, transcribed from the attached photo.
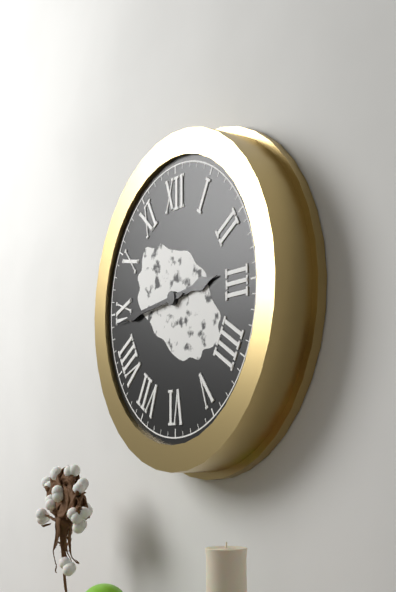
2:44
